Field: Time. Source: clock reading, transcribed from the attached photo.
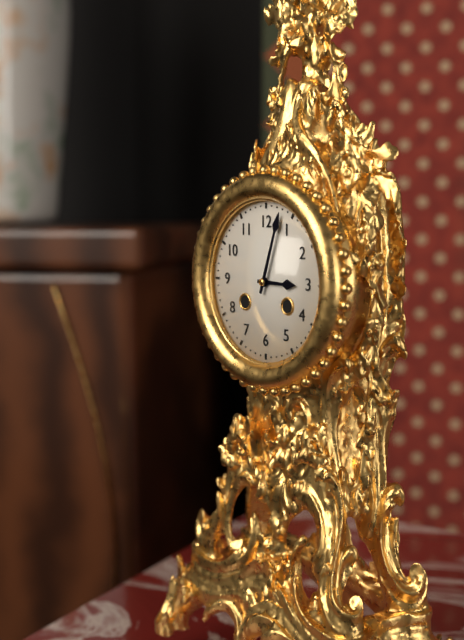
3:03
